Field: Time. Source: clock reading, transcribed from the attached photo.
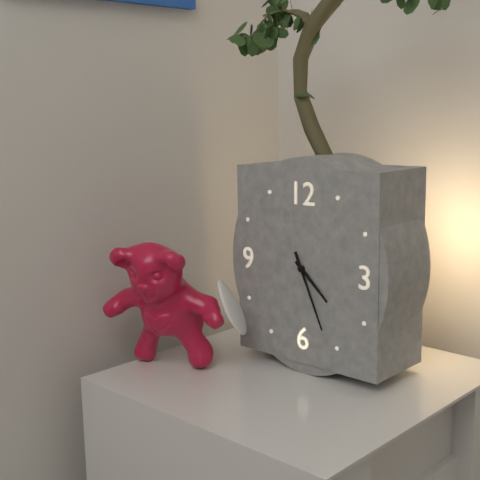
4:26
